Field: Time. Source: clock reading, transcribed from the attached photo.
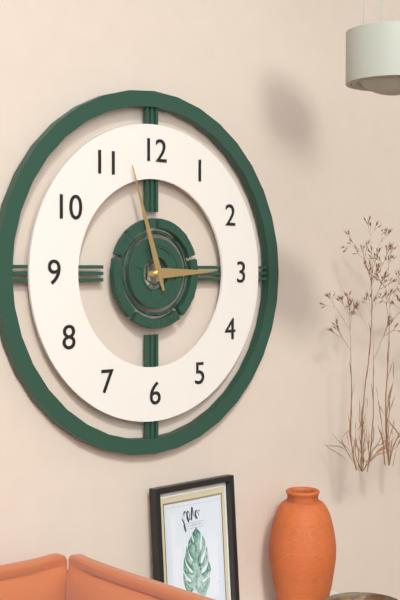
2:57
